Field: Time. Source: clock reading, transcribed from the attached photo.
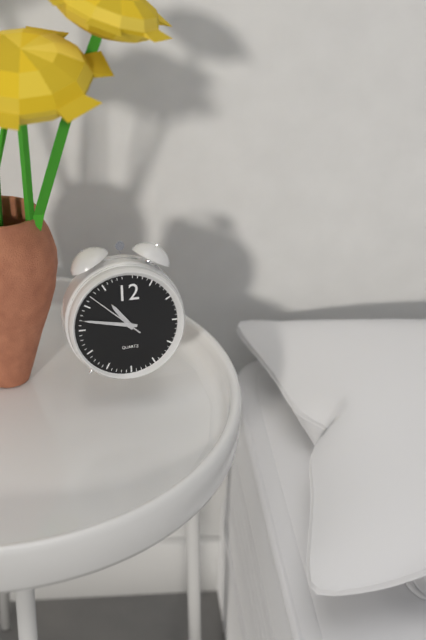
10:47:52
